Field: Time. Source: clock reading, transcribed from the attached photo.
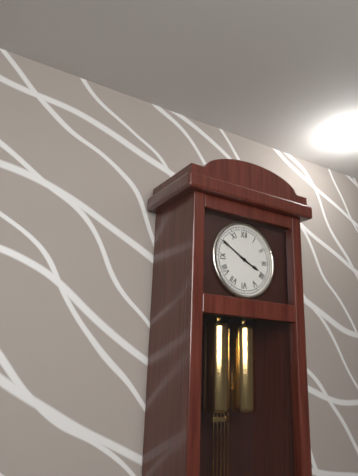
3:50
